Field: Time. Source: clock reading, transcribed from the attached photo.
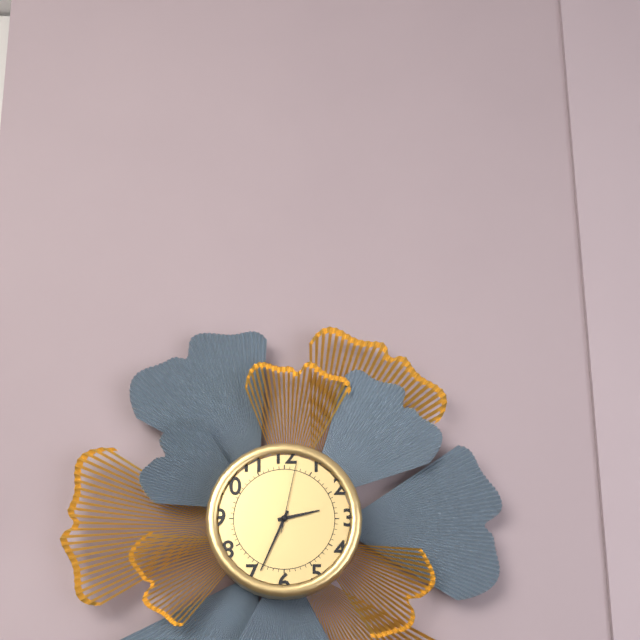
2:34:02
